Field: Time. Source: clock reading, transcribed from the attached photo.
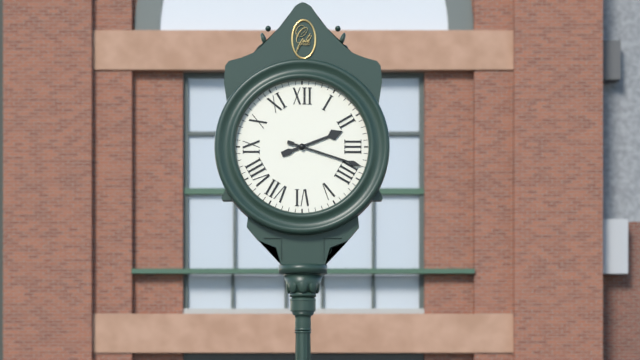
2:18
